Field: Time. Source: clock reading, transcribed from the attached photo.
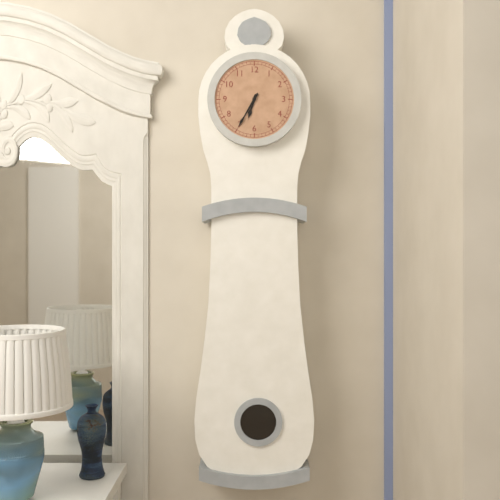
6:35
